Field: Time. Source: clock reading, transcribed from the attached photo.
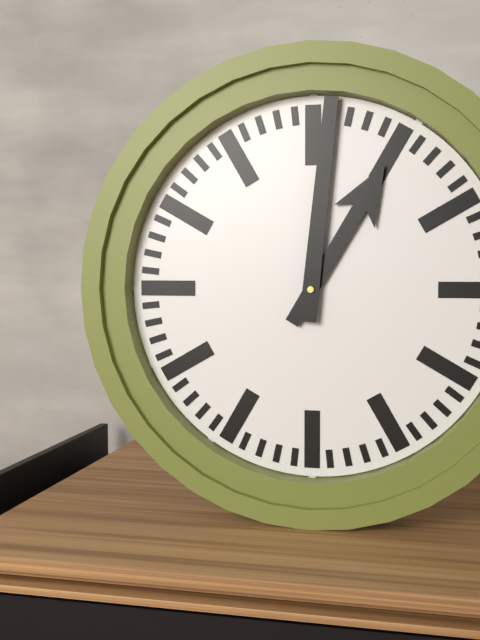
1:01
